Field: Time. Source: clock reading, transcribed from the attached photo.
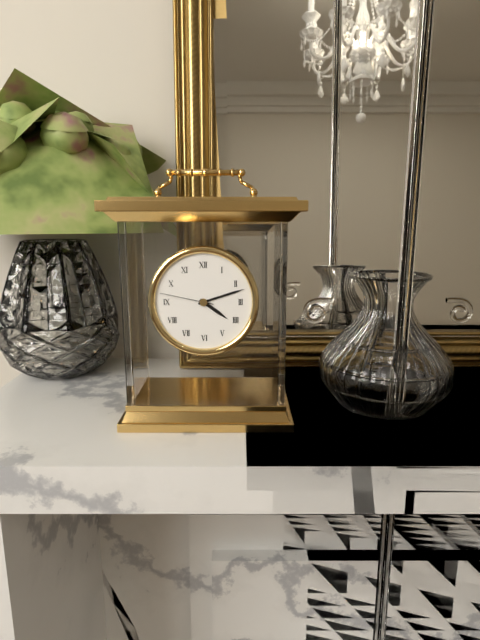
4:12:47
